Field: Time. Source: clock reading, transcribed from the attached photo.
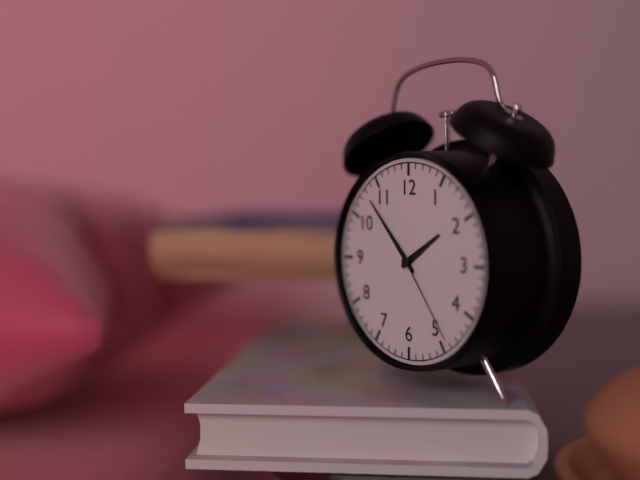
1:53:24
